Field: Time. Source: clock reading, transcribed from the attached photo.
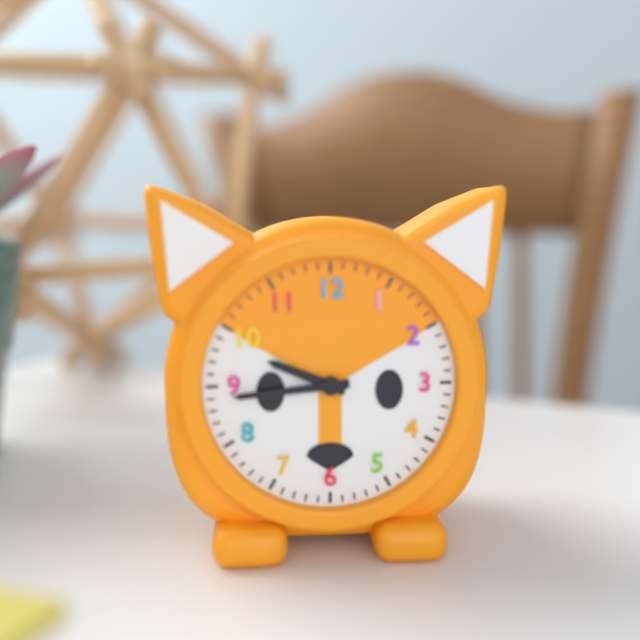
9:44
